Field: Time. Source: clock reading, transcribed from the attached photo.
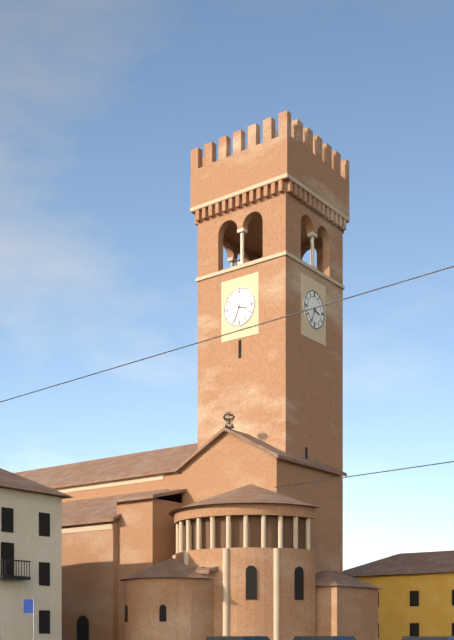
3:34
